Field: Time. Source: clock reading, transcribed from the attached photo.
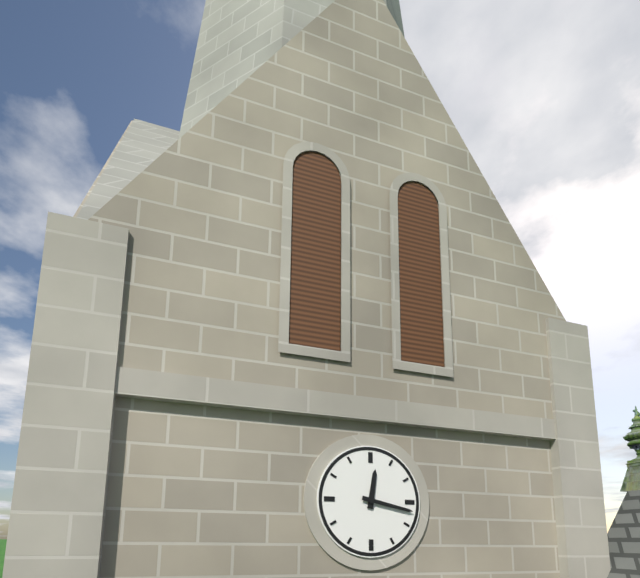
12:17
